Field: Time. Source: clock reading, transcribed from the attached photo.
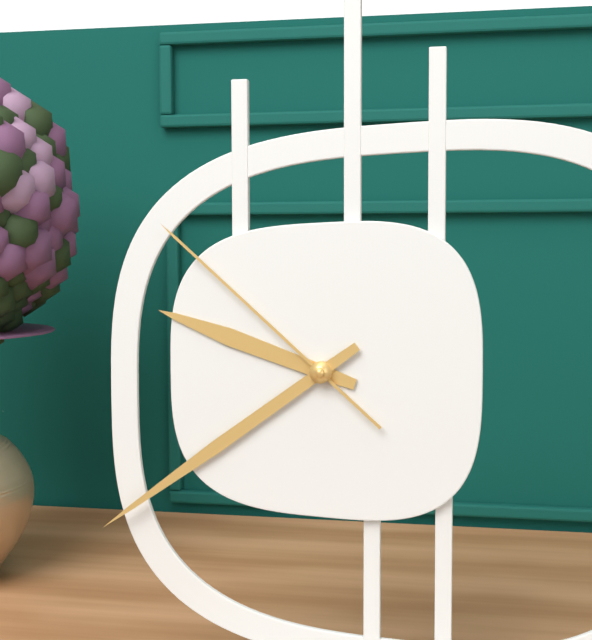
9:39:52
